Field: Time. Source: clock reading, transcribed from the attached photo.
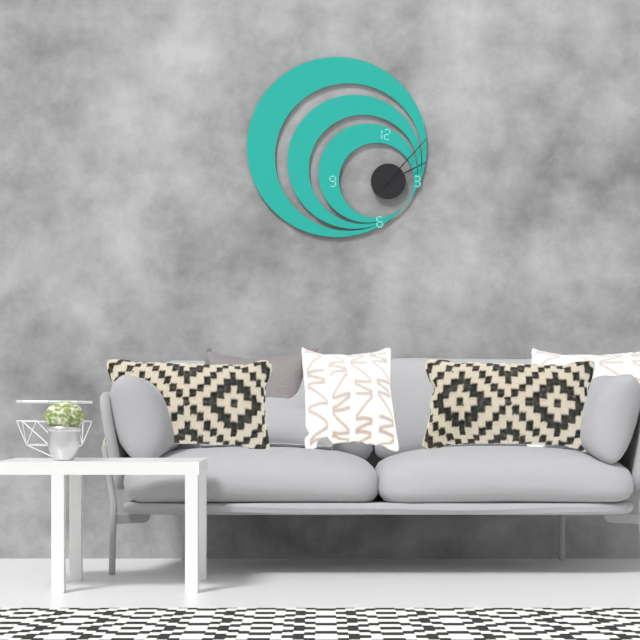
2:07
